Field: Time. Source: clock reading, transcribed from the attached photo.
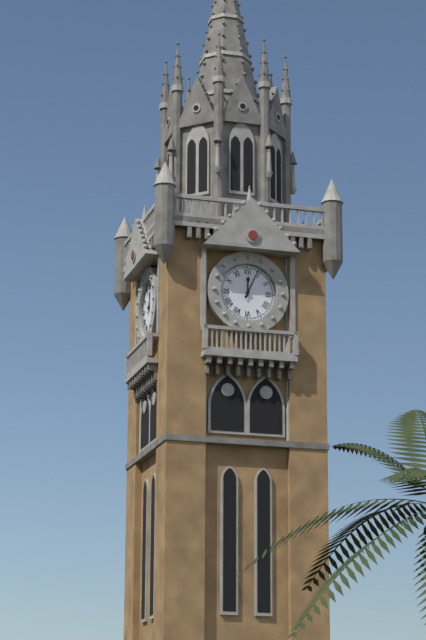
12:04
